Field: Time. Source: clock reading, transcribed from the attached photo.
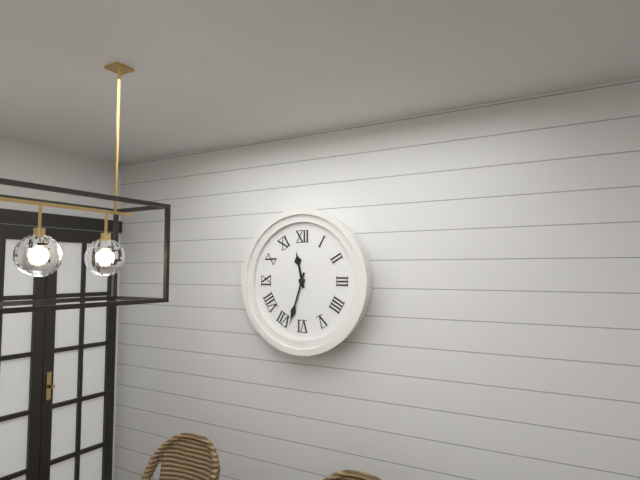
11:33
